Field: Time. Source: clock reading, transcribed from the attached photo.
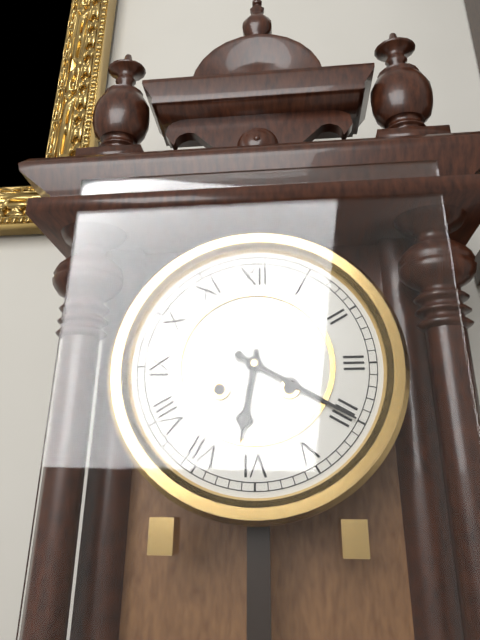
6:20
